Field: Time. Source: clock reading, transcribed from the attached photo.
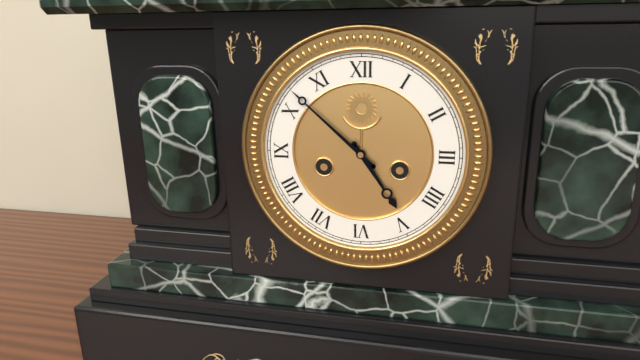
4:52
